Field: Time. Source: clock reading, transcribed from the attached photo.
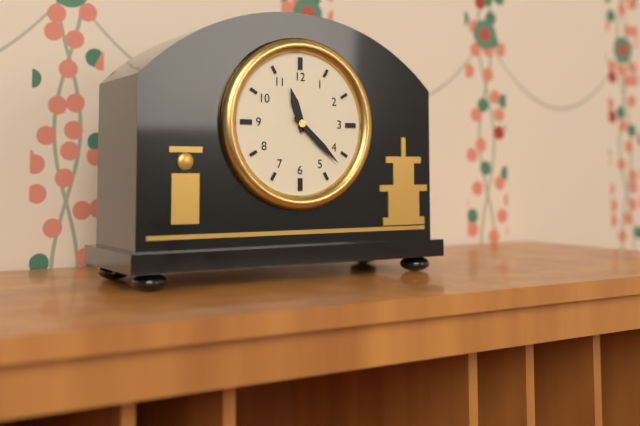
11:22
